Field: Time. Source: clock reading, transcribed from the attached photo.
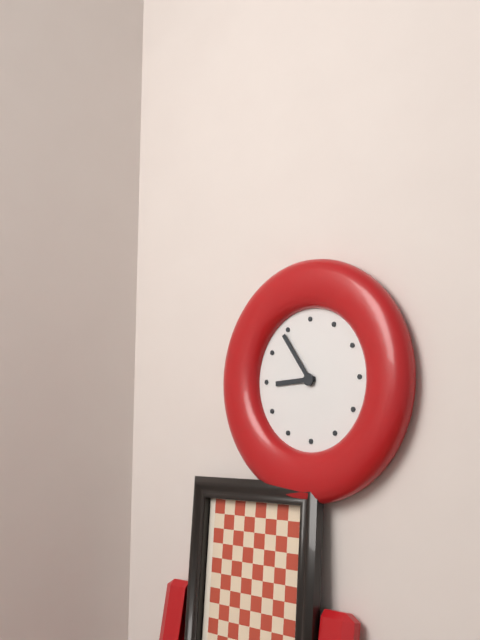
8:54
